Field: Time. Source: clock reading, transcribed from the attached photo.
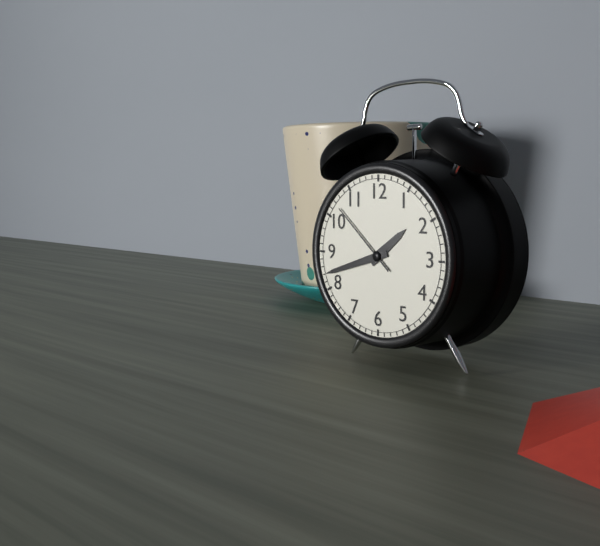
1:42:52
